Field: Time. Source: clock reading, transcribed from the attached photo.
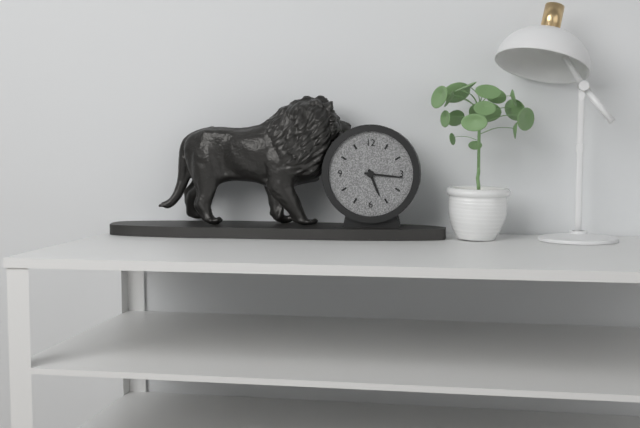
5:16
